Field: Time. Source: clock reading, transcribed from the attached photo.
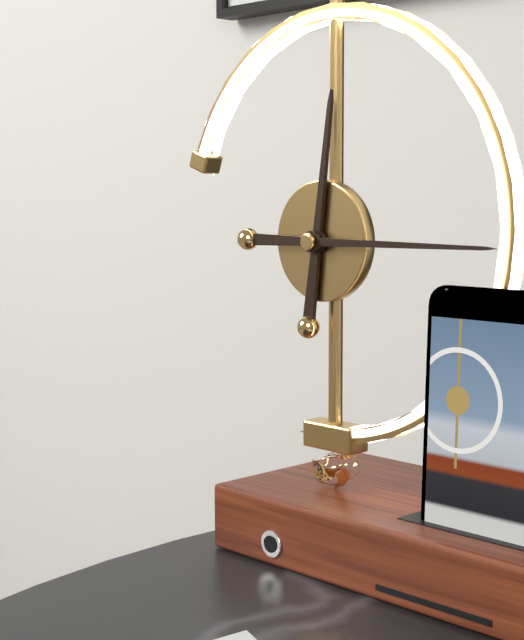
12:15
